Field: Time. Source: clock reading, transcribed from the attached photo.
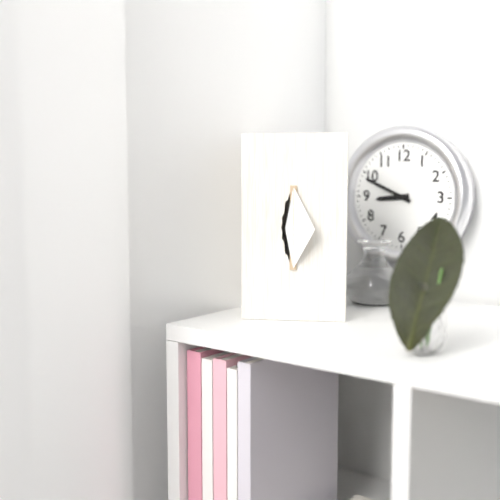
8:49
